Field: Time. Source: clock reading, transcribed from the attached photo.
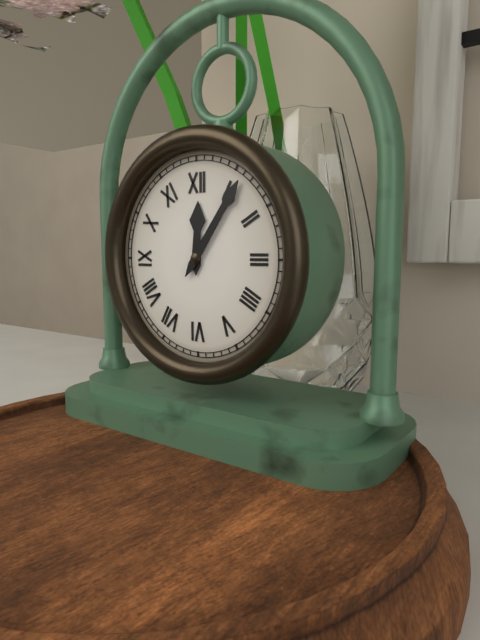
12:06
